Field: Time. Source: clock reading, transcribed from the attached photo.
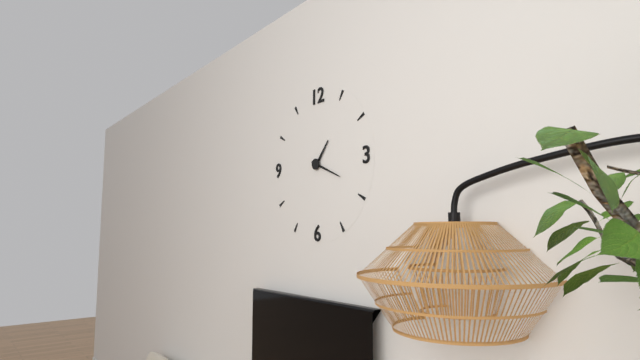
1:19
